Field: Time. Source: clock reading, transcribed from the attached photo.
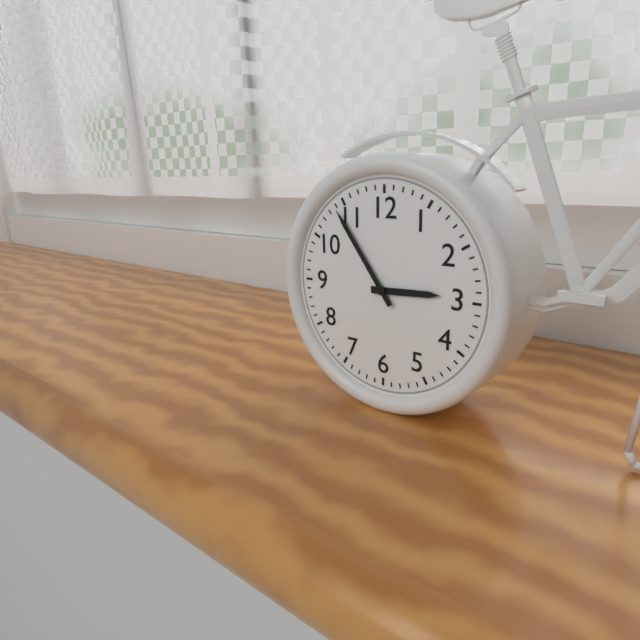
2:54
